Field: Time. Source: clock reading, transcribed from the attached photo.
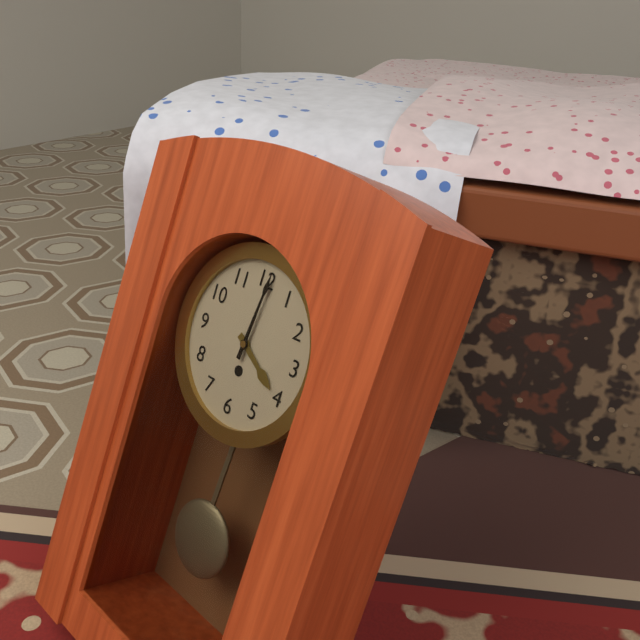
4:01
